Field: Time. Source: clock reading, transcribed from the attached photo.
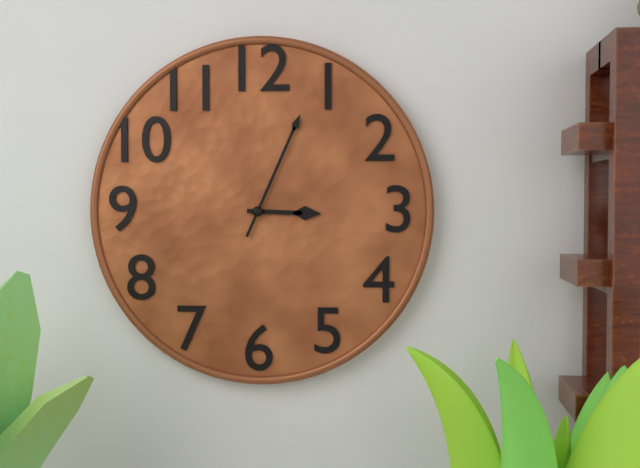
3:04
